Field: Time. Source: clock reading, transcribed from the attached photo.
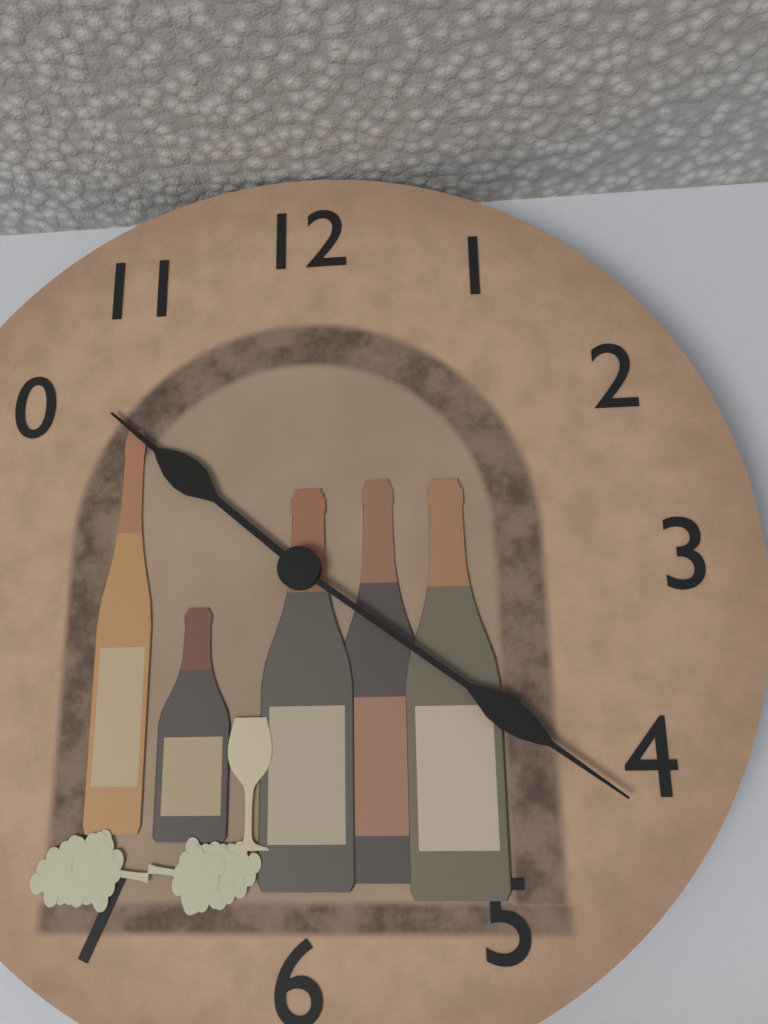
10:21
